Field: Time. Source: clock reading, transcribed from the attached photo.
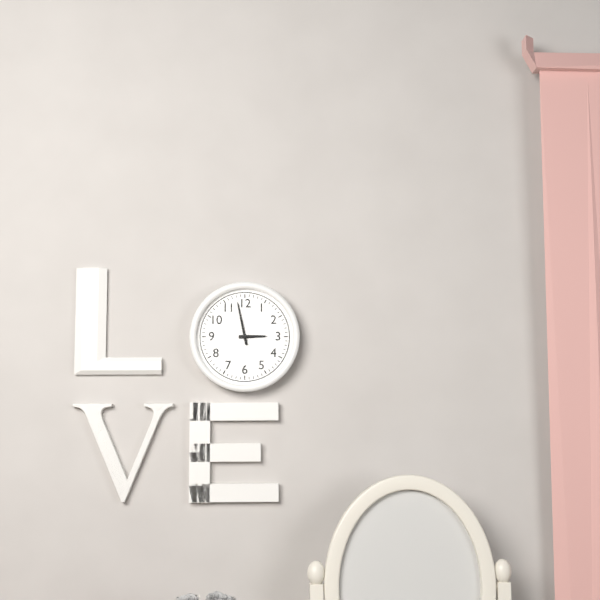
2:58
